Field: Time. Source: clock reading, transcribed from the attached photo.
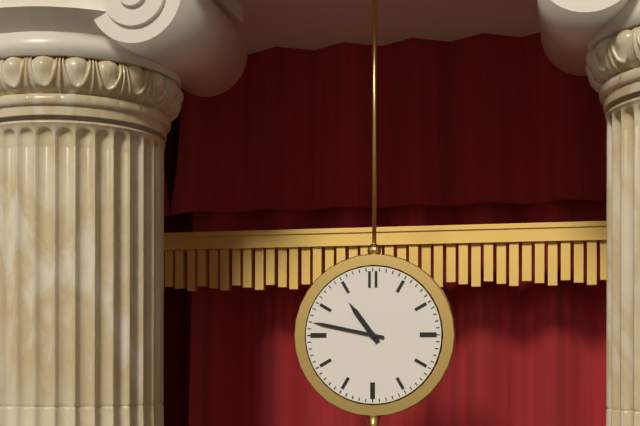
10:47
